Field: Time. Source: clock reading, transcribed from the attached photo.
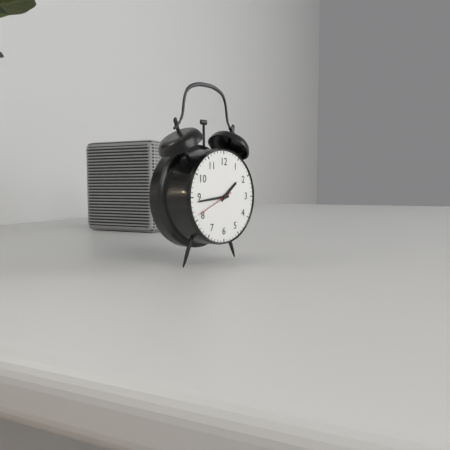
1:44
